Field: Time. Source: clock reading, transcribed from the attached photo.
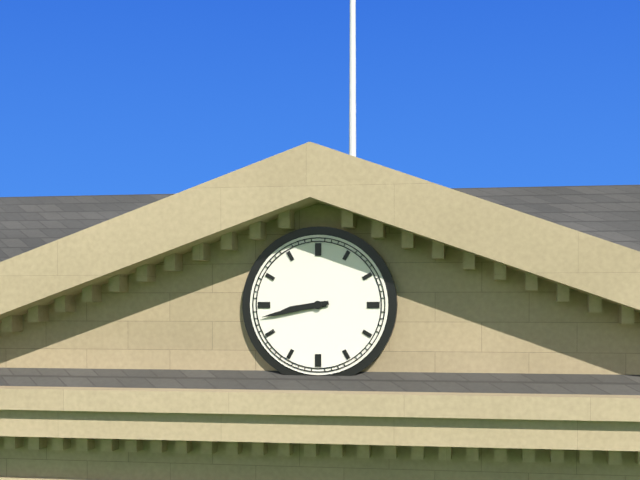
8:43
